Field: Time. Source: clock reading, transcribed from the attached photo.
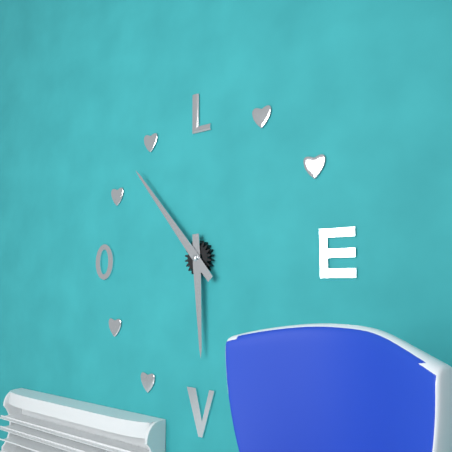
5:53
